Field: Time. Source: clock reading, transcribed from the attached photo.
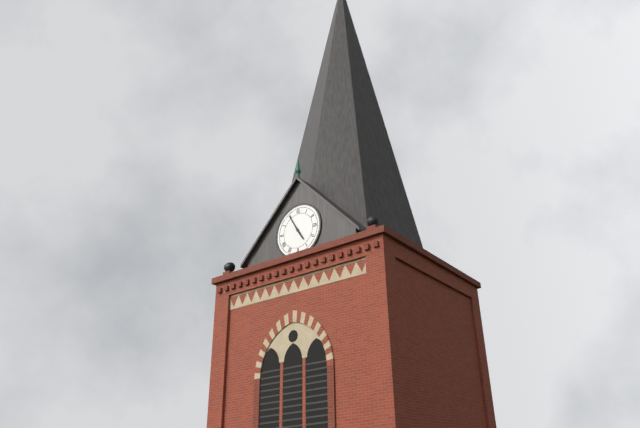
4:55
